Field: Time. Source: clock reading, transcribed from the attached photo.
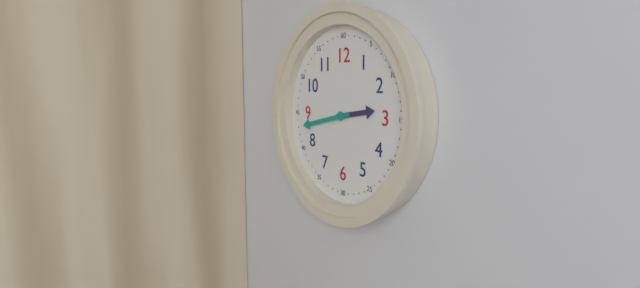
2:43
